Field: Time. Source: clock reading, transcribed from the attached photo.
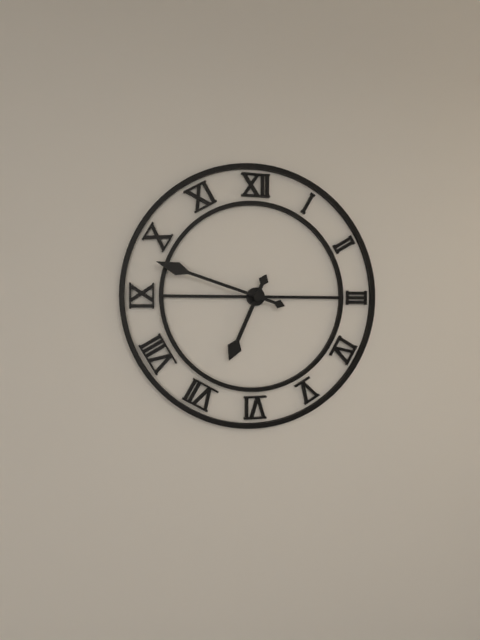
6:48
